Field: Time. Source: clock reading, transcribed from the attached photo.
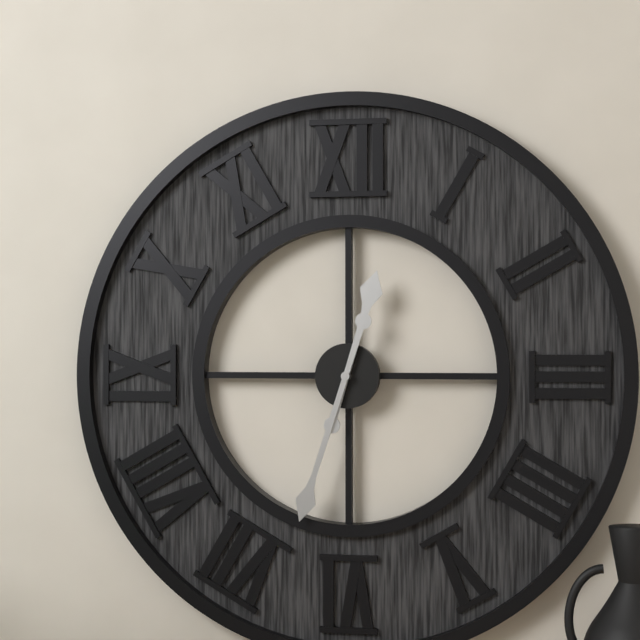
12:33
